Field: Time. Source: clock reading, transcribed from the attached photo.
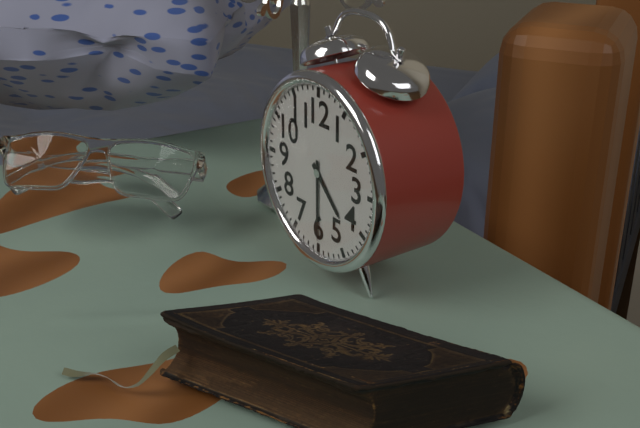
4:30
